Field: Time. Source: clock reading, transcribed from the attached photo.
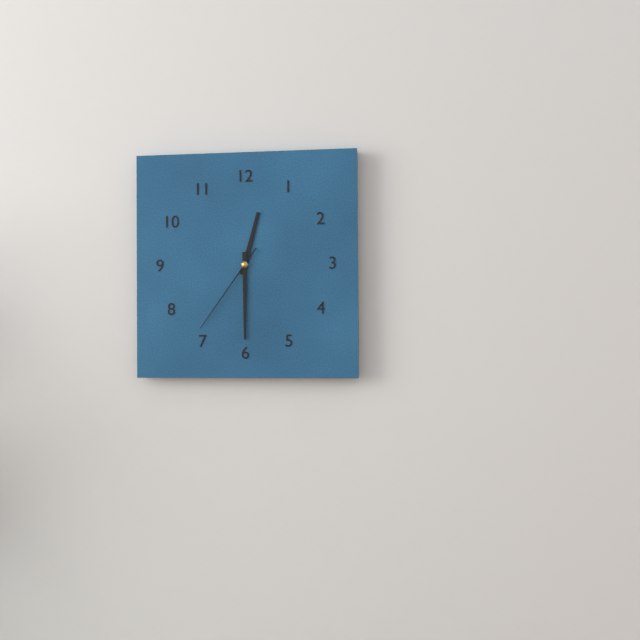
12:30:36
